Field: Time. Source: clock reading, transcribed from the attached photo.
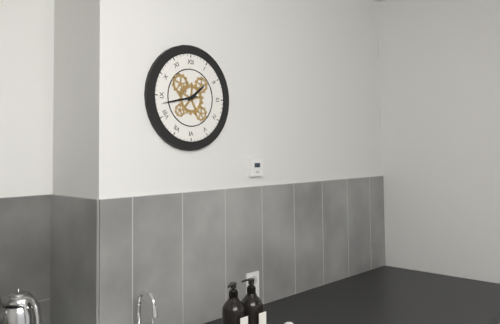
1:43
